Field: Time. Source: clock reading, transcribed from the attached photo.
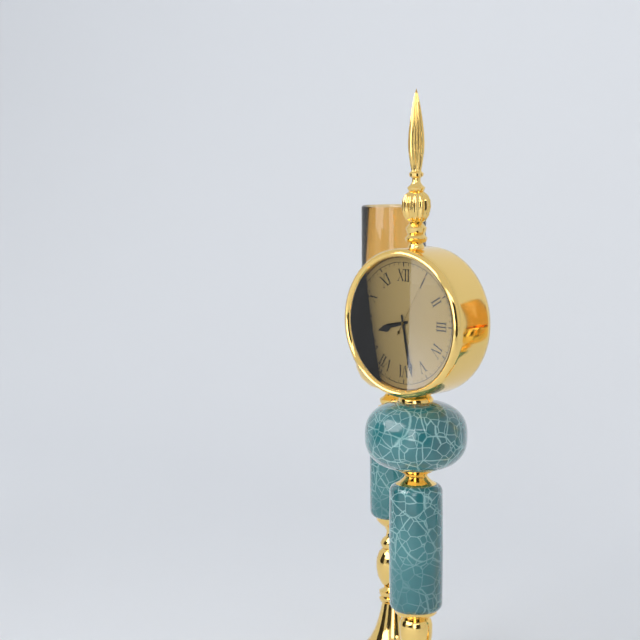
8:28:05
